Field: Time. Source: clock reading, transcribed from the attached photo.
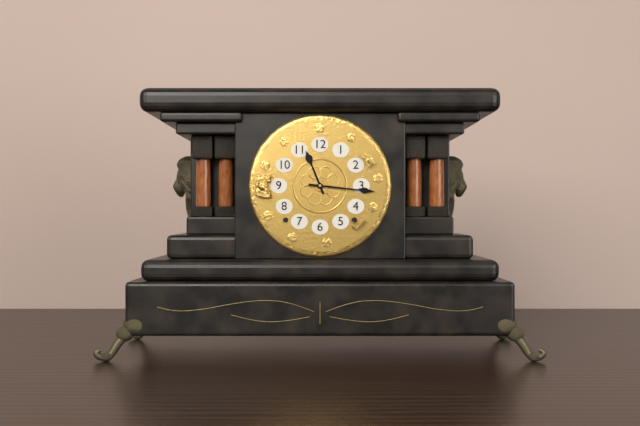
11:16
